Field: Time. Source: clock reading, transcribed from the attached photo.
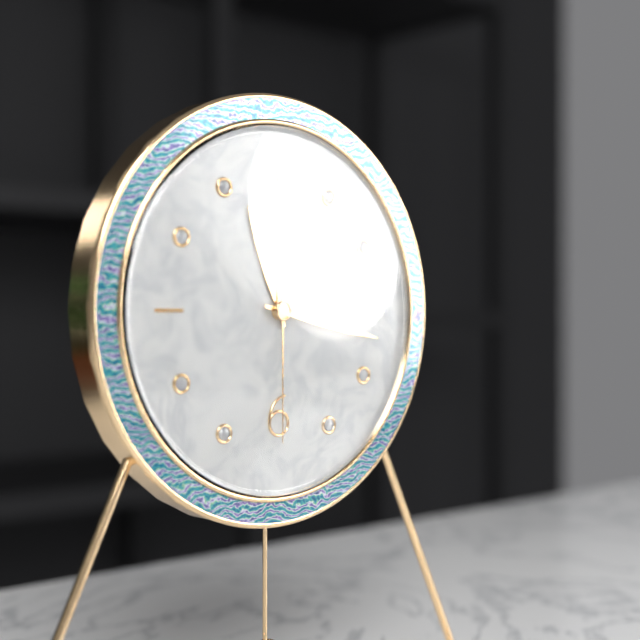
11:17:30
